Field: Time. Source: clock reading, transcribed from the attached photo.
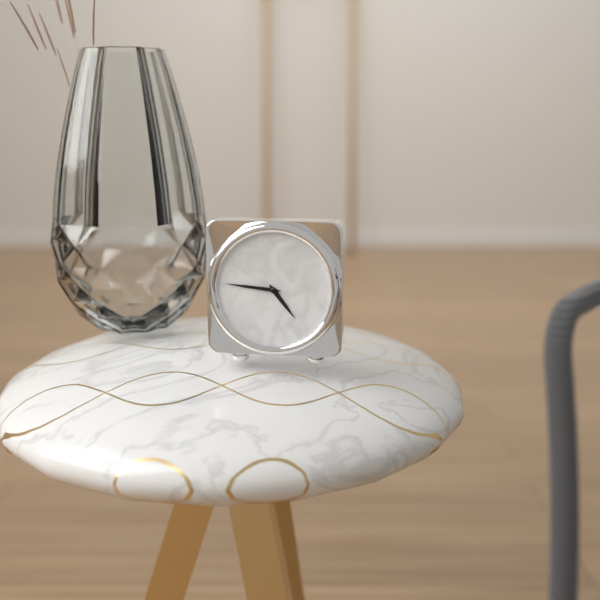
4:46
